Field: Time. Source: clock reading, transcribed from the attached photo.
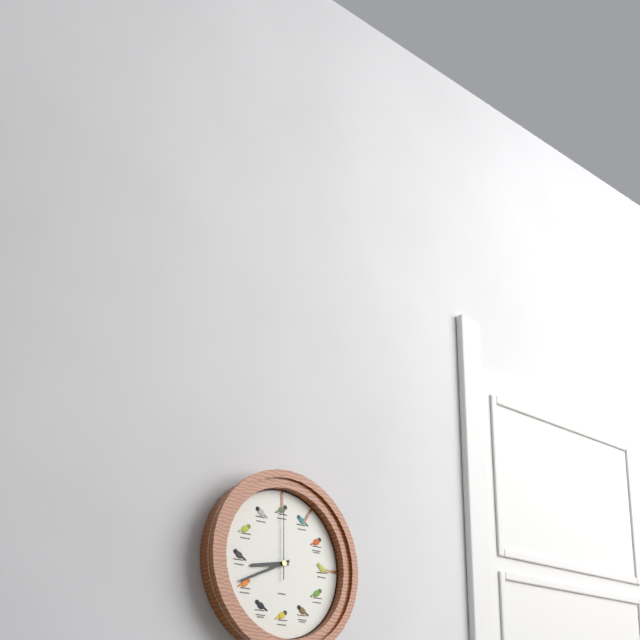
8:41:00
